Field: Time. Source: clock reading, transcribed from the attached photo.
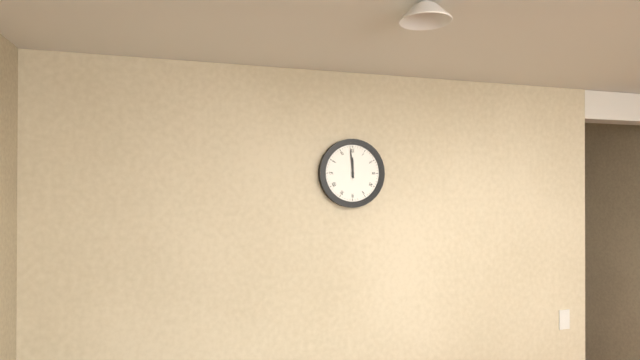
11:59
